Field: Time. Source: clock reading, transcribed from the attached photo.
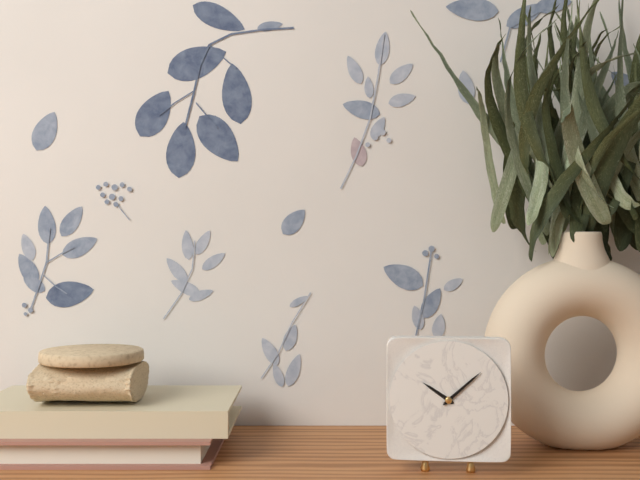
10:08
